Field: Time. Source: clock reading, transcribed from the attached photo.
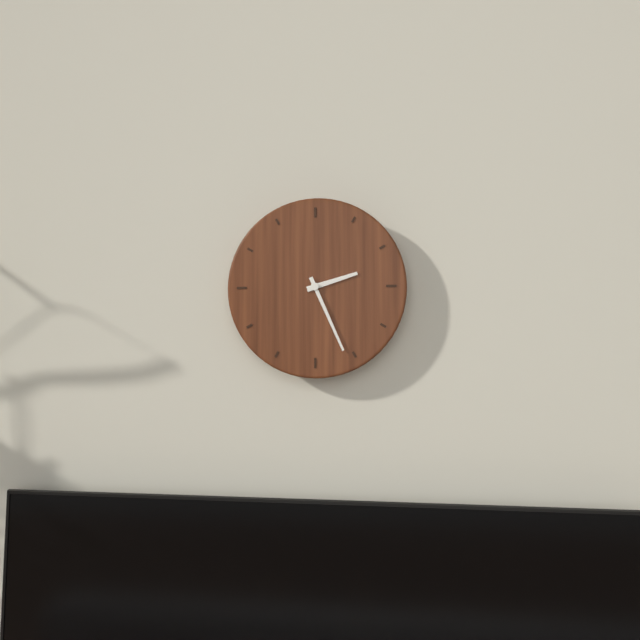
2:26
